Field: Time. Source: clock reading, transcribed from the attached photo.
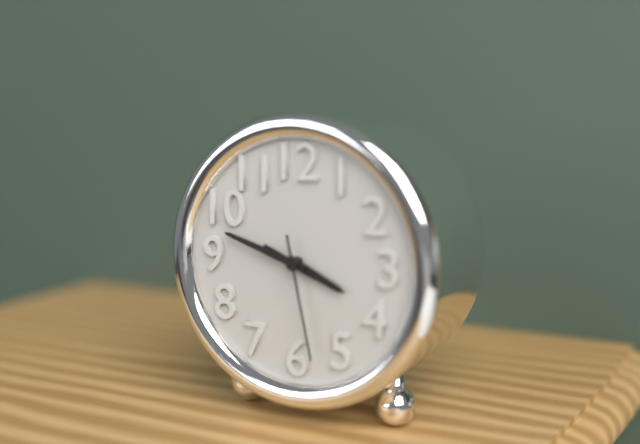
3:48:28
